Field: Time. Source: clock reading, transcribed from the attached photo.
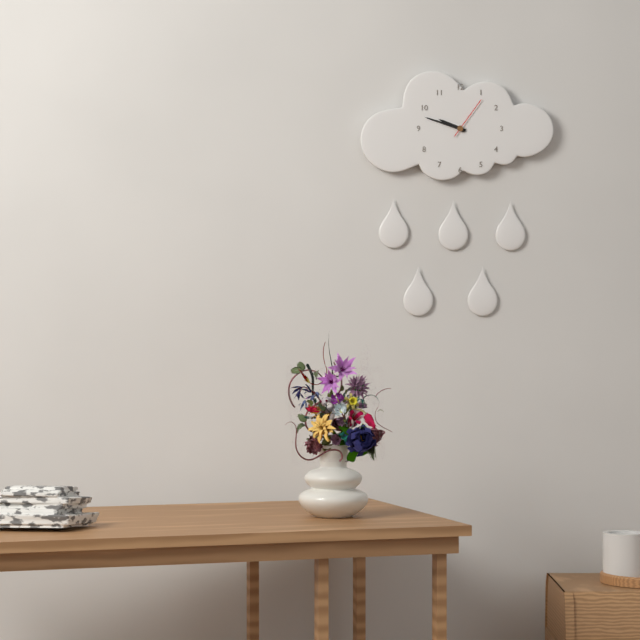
9:48
